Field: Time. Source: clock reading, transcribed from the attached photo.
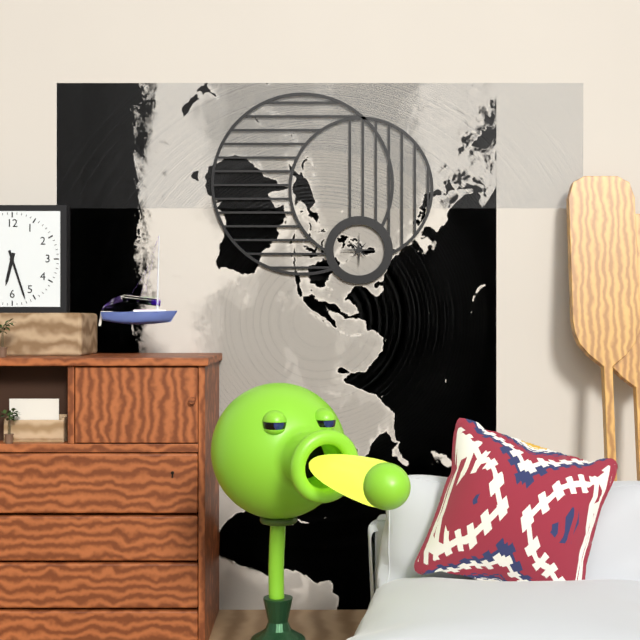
6:27
